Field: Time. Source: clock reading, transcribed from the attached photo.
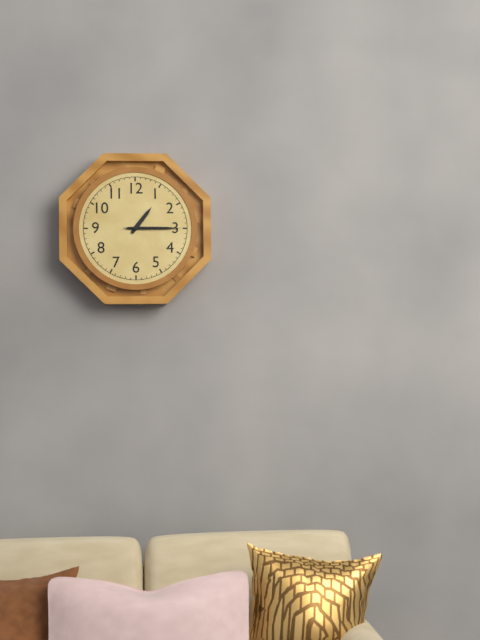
1:15:15
